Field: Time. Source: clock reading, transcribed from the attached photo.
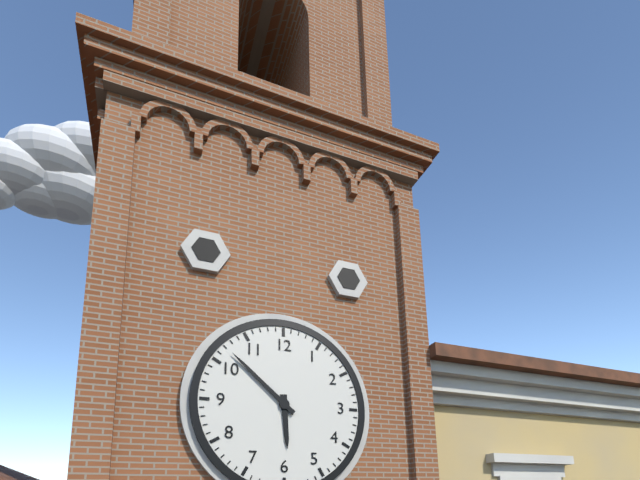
5:52
